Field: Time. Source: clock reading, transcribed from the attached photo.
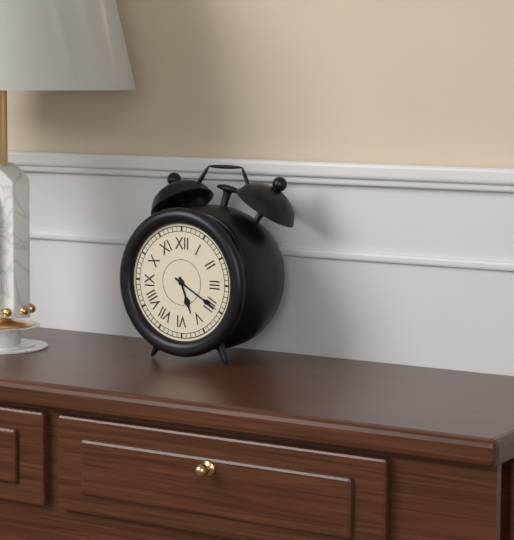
5:20
